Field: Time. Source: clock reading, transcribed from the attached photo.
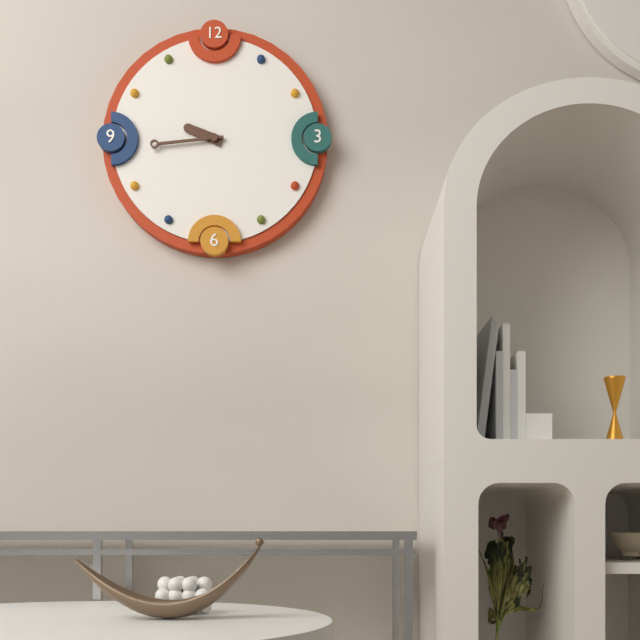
9:44
